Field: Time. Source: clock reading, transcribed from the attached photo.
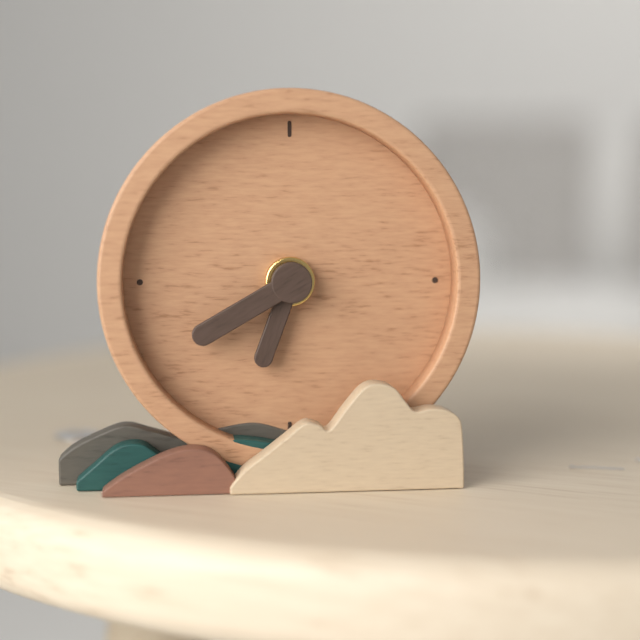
6:40
